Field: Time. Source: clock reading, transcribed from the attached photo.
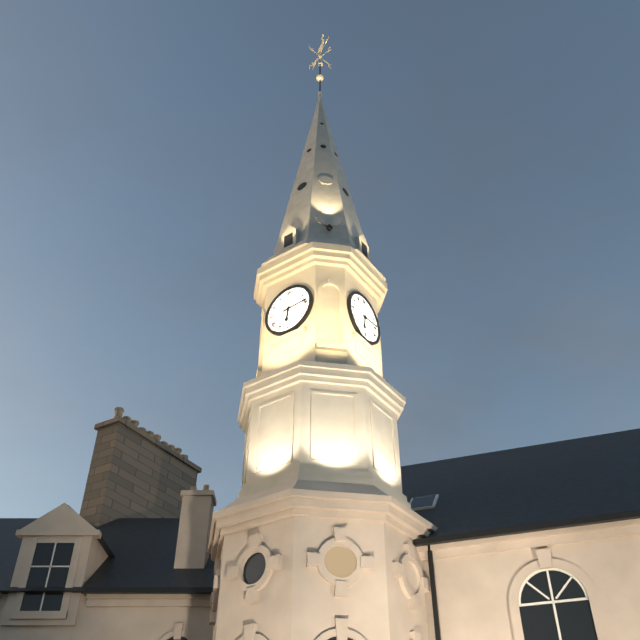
6:14
